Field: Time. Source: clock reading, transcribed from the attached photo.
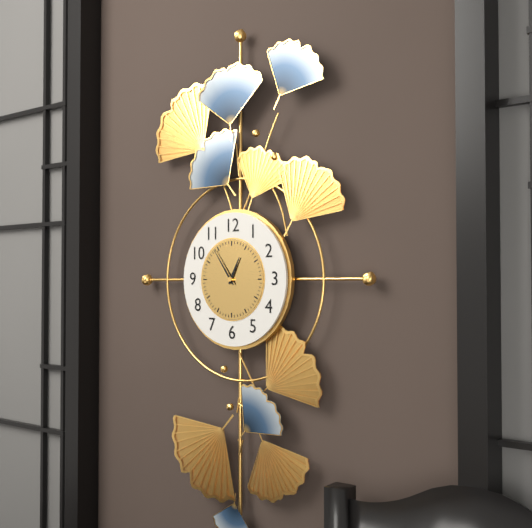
12:54
